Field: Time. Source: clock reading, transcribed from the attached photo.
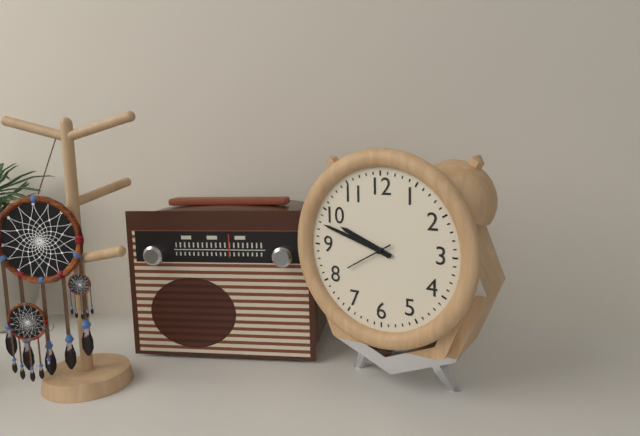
9:48
